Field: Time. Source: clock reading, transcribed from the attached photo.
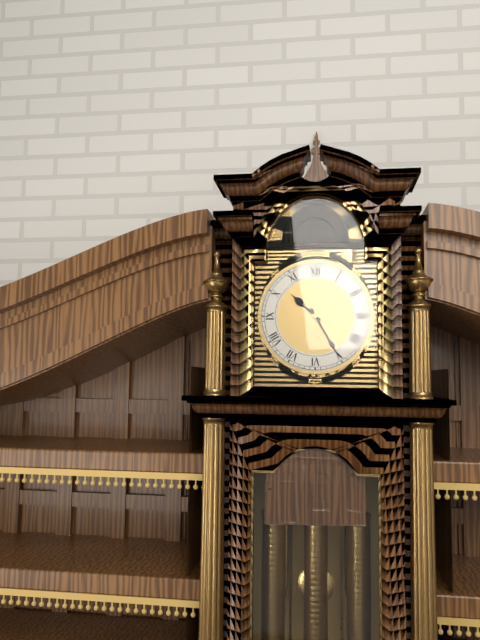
10:25
